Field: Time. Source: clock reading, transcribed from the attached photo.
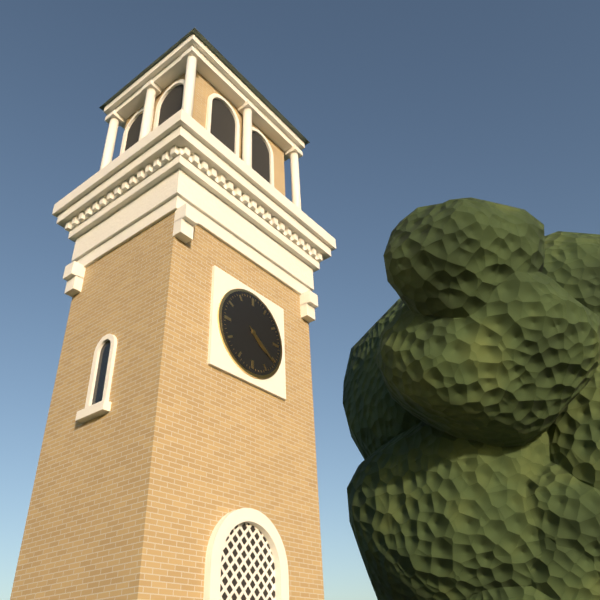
4:21
